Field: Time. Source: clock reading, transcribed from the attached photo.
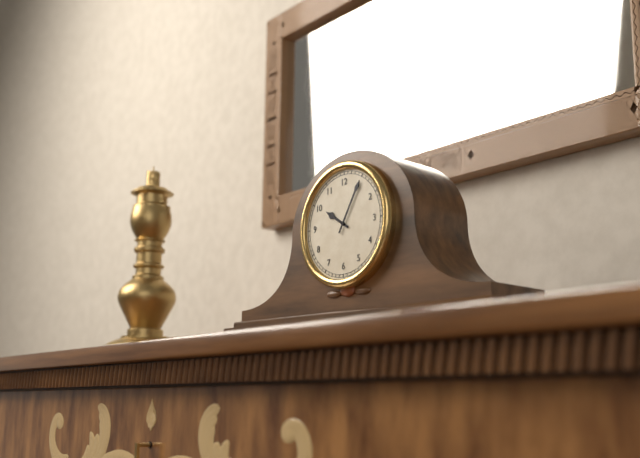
10:05
